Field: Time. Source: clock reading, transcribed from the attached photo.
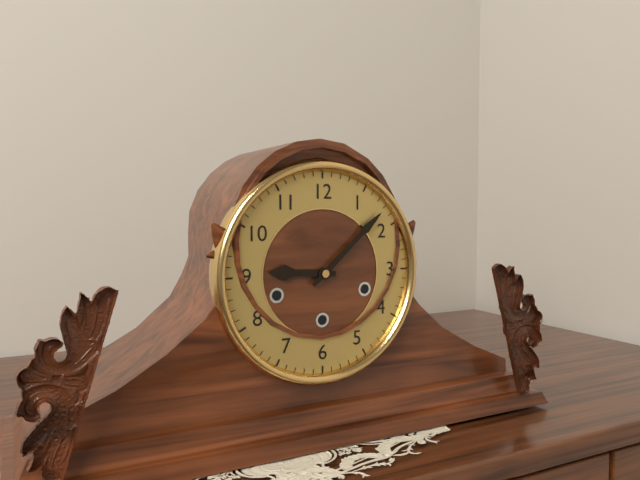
9:08
